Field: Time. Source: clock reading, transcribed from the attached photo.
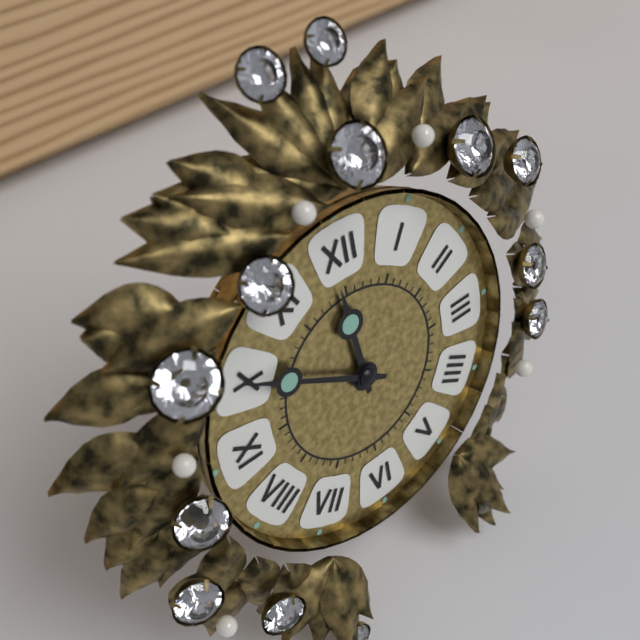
11:50
